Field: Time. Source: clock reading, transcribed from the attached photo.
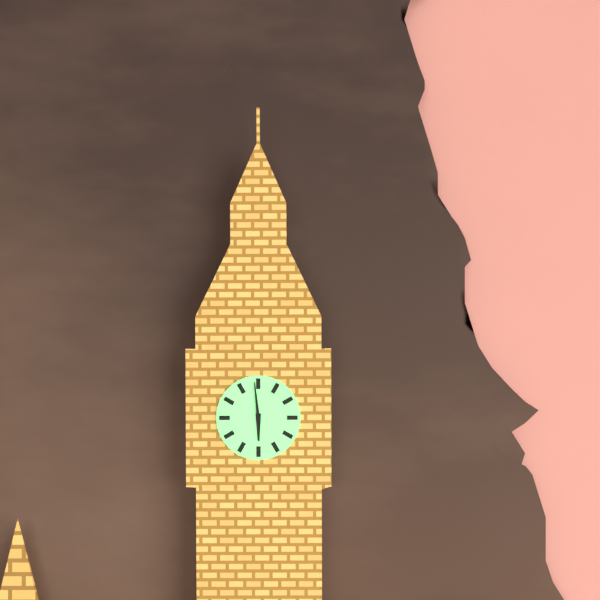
5:59
